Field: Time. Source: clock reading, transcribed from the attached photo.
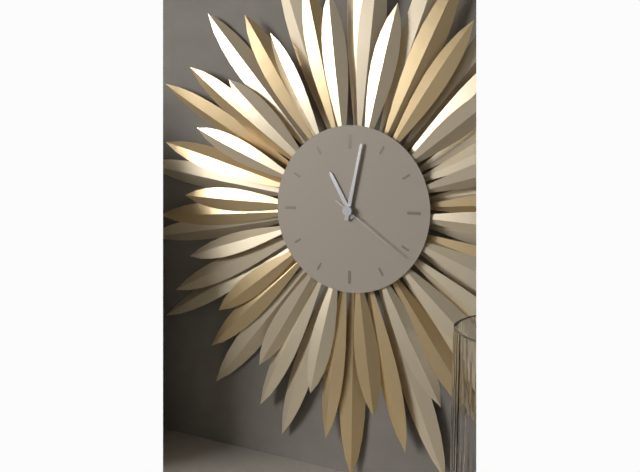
11:02:21
